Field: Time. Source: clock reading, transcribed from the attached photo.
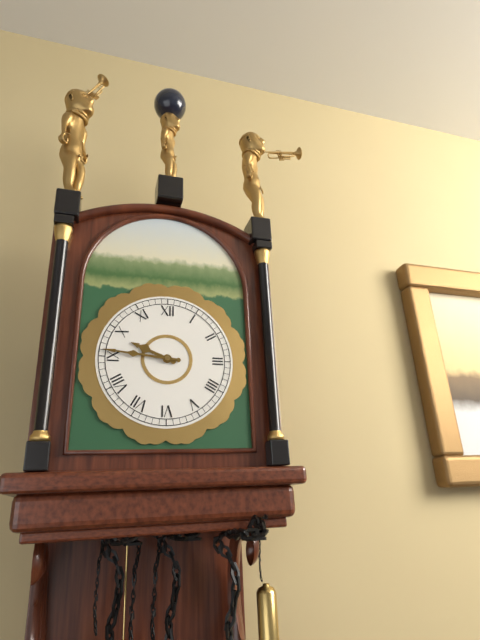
9:46
